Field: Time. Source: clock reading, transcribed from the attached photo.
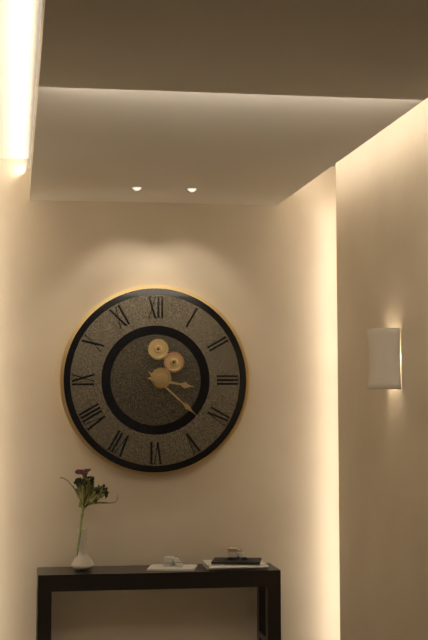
3:22
